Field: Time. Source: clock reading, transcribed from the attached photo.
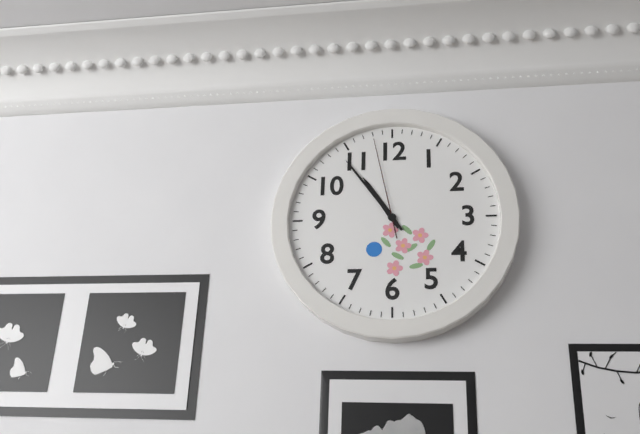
10:54:58
